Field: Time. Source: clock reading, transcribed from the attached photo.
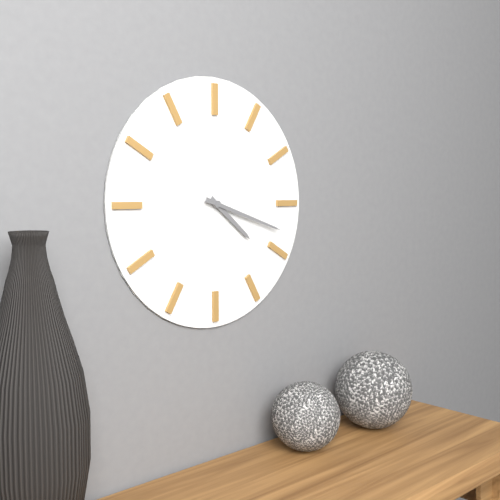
4:18
